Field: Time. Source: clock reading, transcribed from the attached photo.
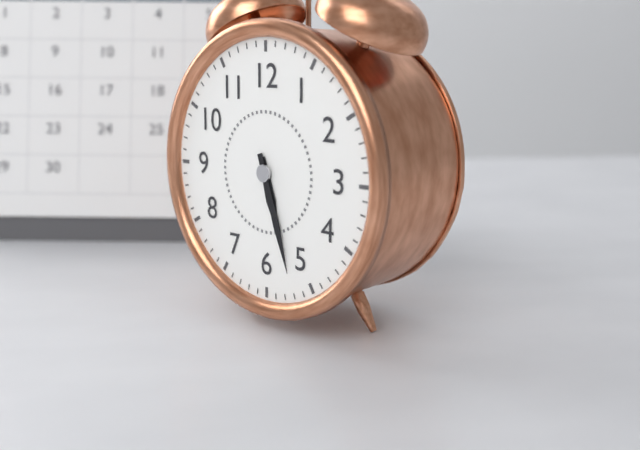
5:27
